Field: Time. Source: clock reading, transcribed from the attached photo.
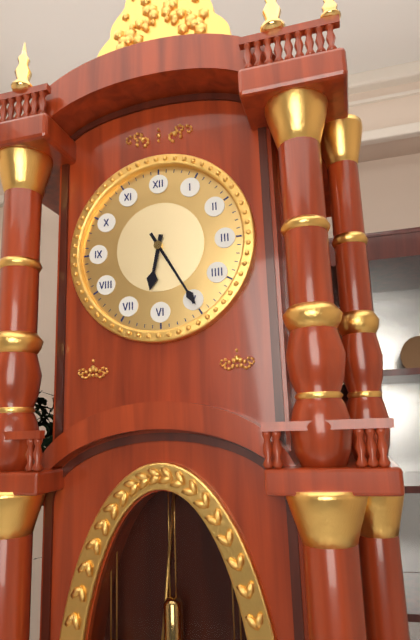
6:25
